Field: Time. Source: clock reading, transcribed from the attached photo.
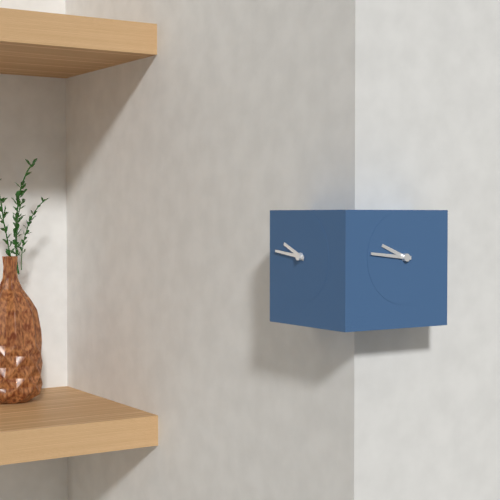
9:46
